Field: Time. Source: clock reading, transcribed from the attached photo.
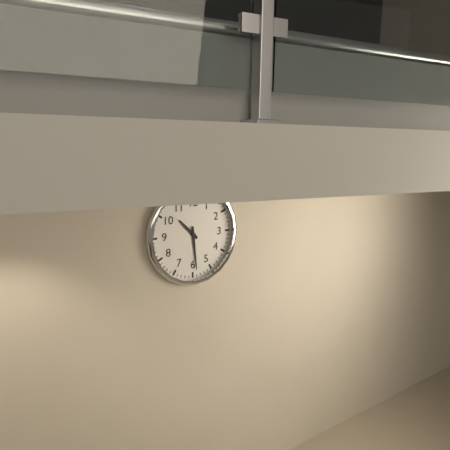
10:29
